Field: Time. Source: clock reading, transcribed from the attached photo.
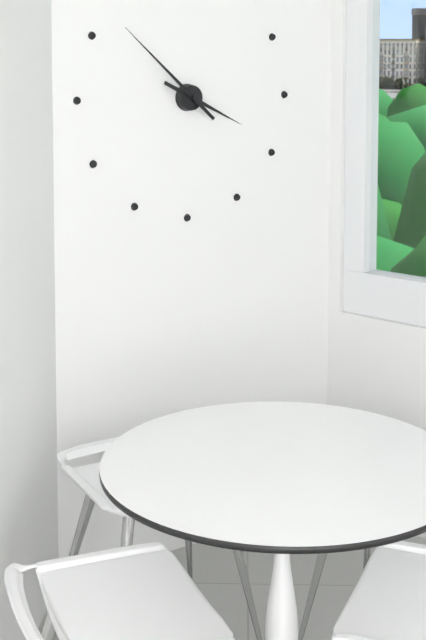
3:52
